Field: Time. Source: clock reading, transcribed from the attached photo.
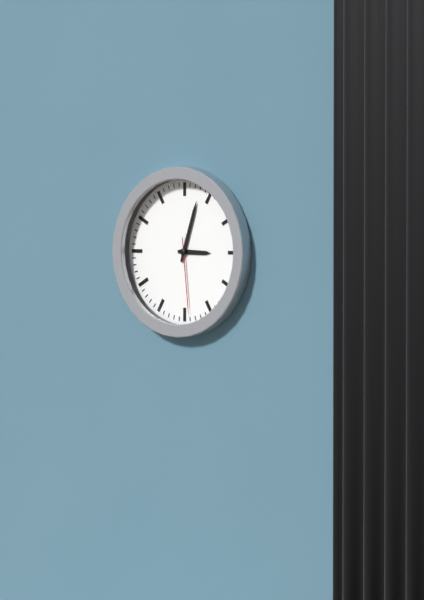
3:03:29
